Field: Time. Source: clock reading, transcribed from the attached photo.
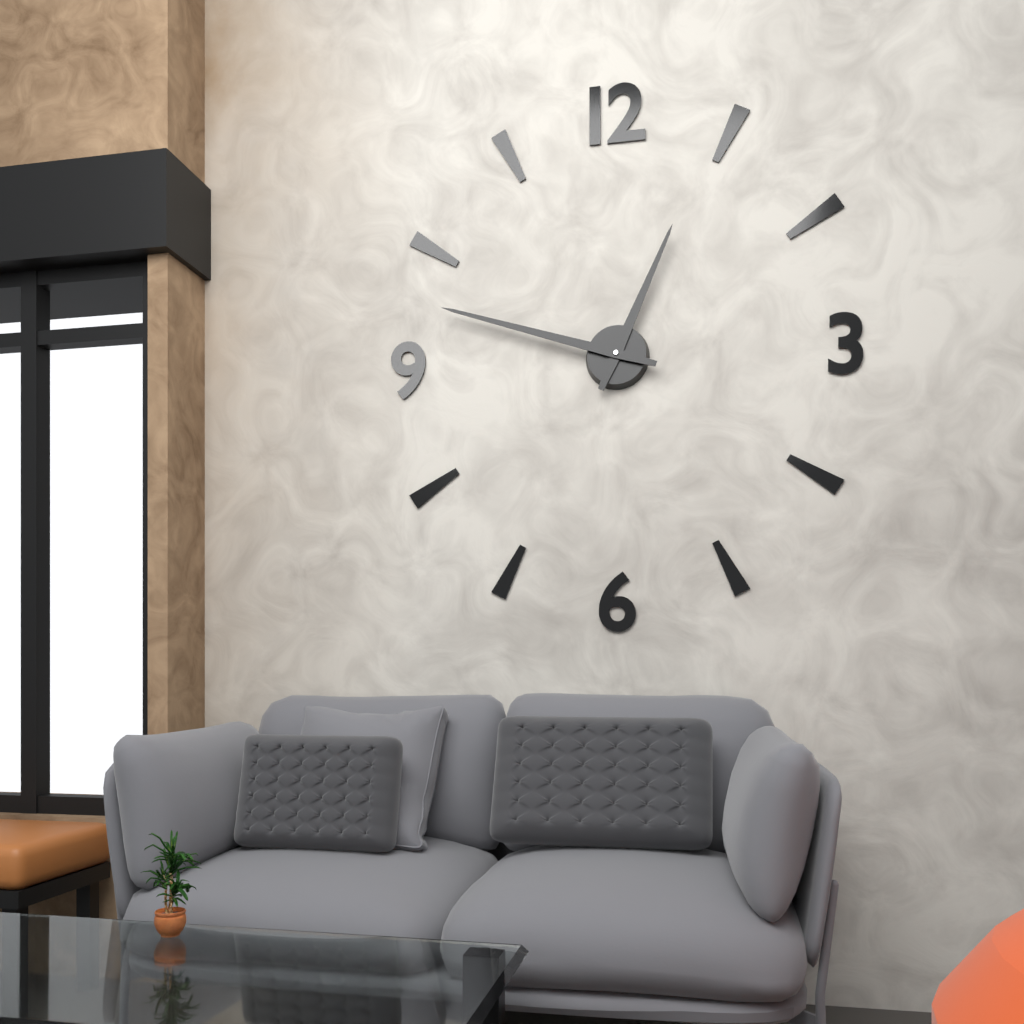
12:48
